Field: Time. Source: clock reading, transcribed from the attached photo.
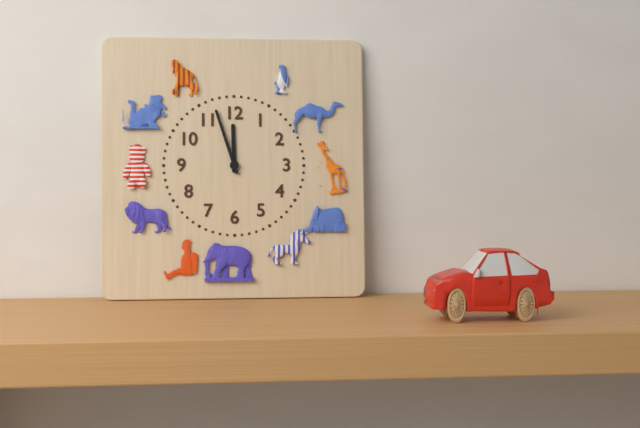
11:57
